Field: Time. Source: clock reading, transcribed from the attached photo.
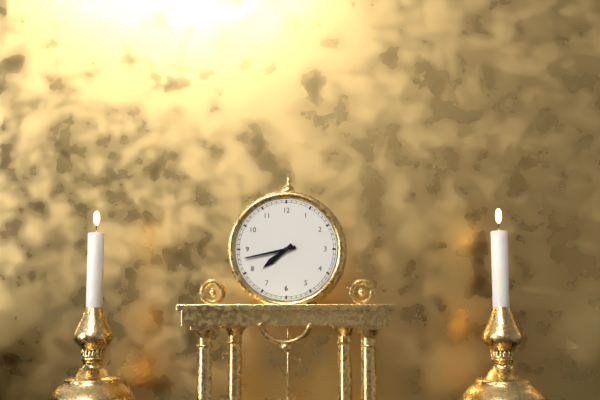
7:43
